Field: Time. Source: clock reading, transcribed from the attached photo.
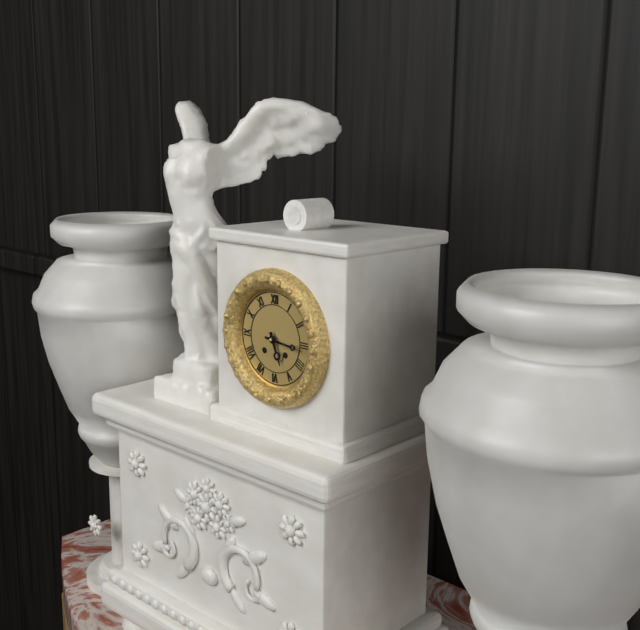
5:16
